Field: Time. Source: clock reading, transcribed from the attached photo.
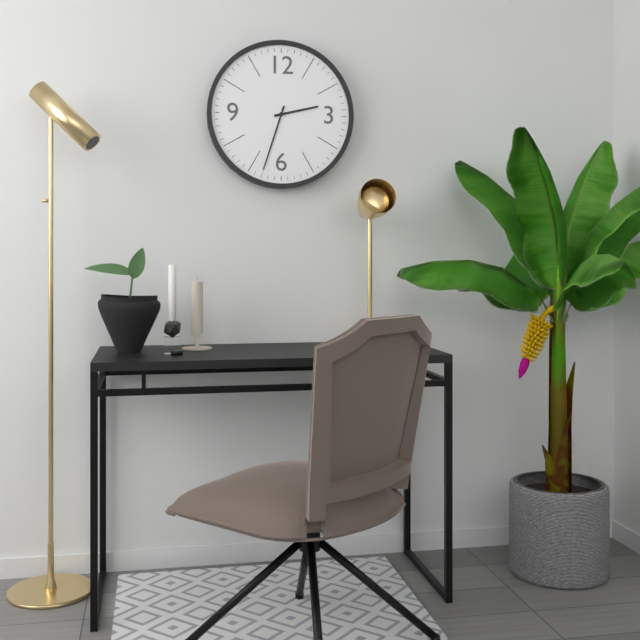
2:33
